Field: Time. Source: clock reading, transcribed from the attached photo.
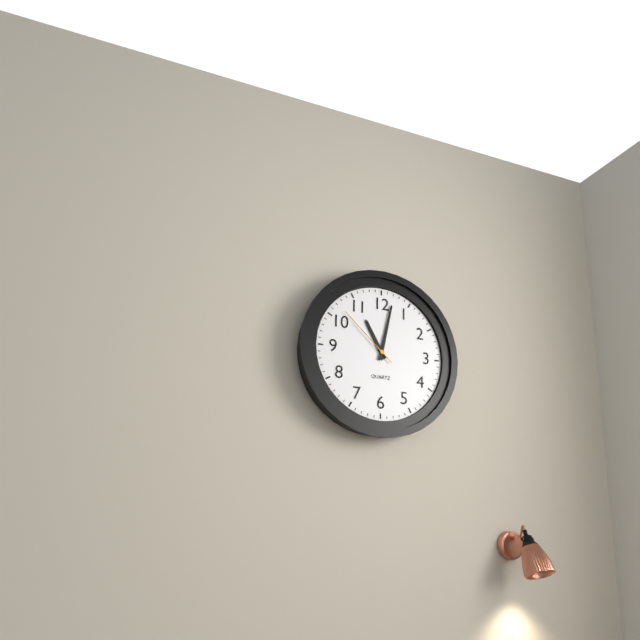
11:02:52
